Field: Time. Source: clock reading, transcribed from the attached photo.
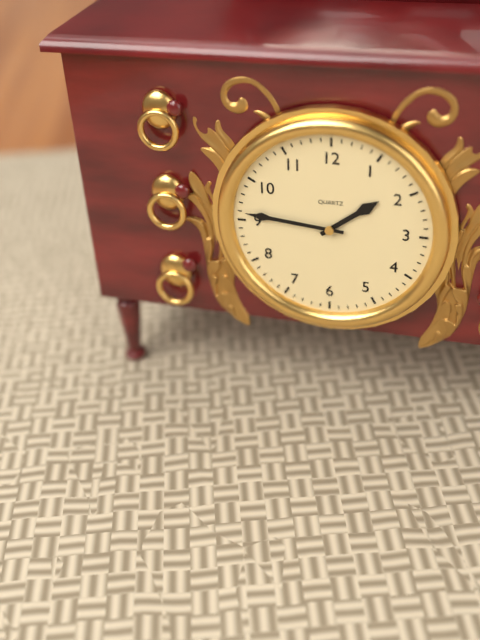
1:46
